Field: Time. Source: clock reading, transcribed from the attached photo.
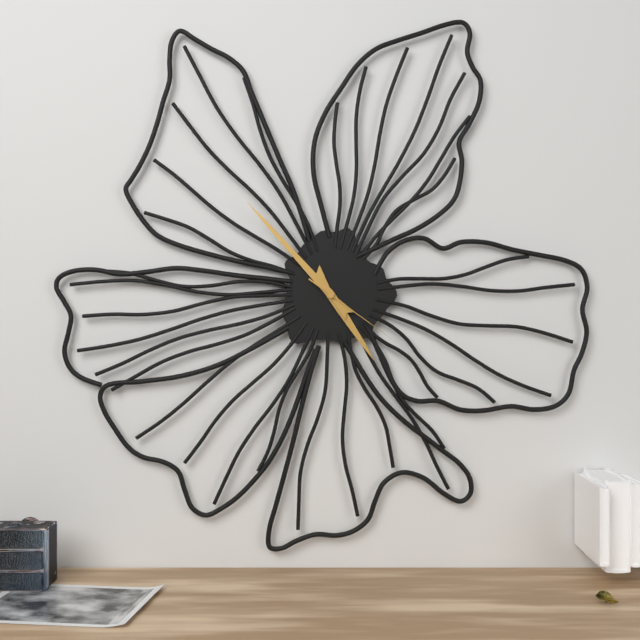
4:53:21
